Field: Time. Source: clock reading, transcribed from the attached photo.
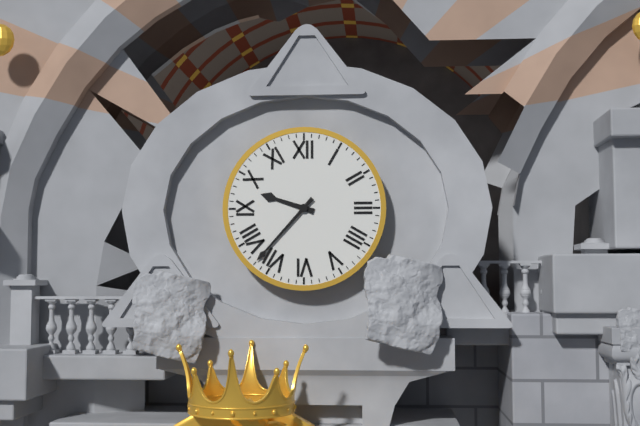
9:37
